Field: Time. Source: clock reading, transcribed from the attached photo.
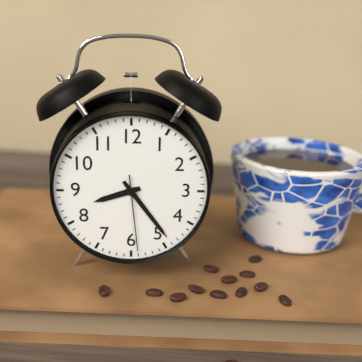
8:24:29
